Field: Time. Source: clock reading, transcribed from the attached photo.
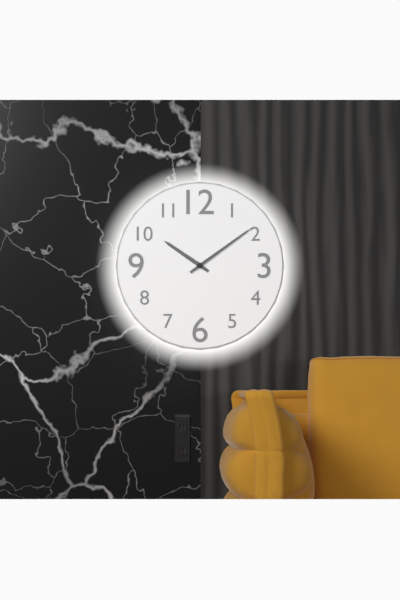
10:09
